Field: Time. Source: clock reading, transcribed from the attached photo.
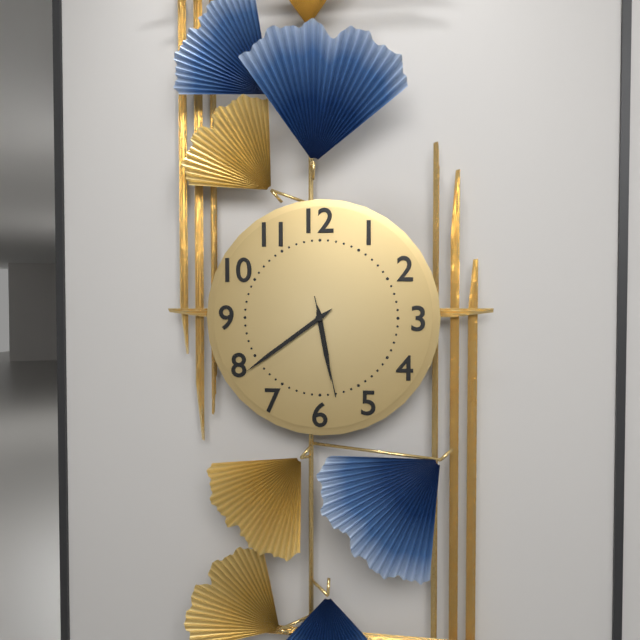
5:39:28
